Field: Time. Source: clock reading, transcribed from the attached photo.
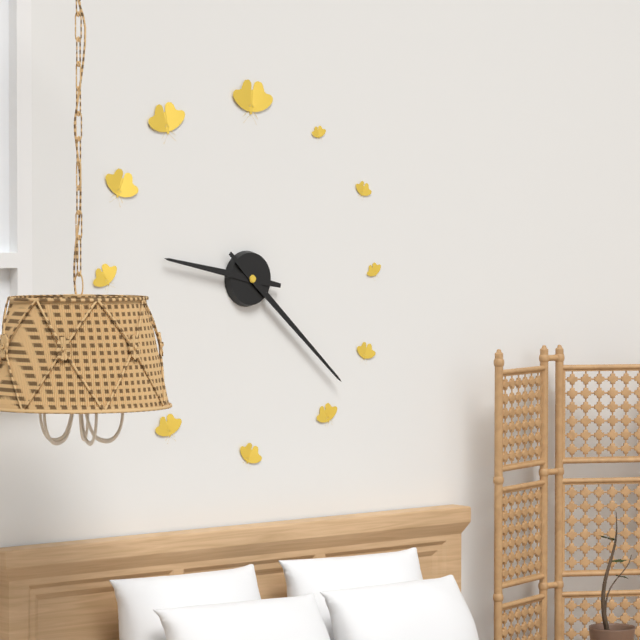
9:22
